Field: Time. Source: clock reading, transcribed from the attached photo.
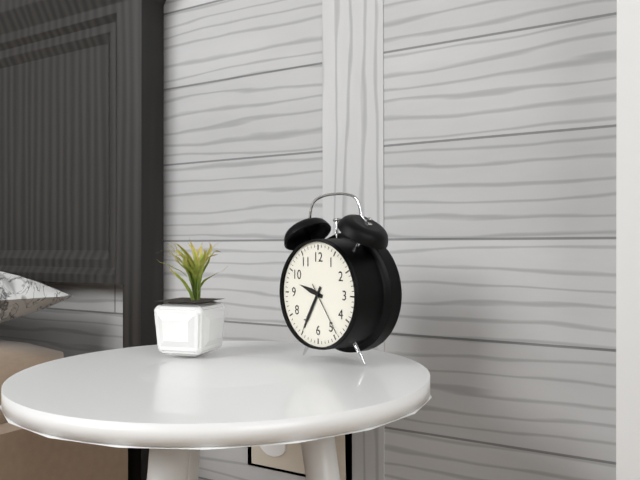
9:35:24
